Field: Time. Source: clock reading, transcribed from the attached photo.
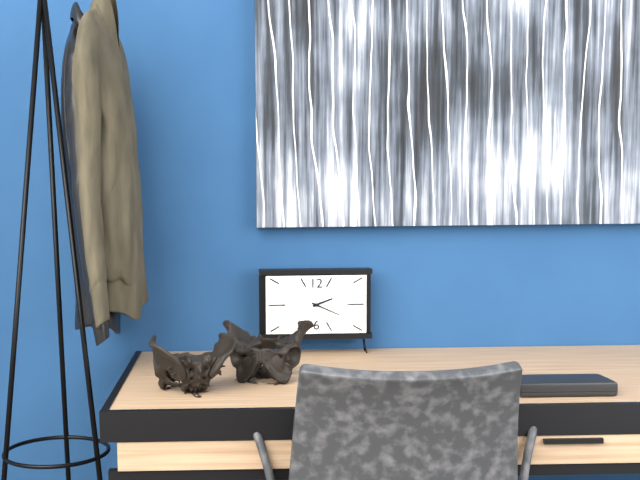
2:19
